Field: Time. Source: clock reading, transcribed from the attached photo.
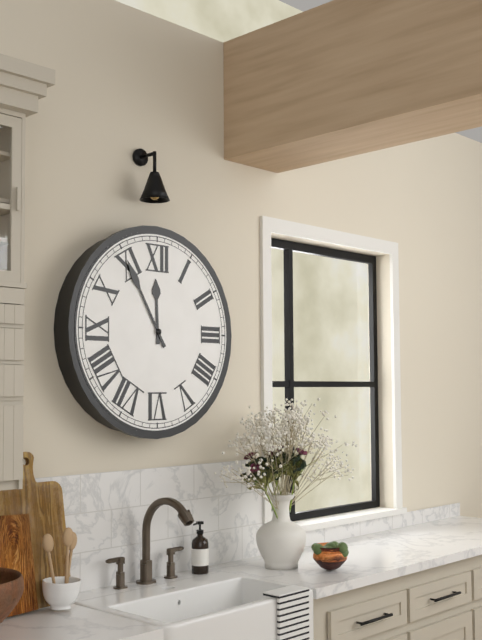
11:55
